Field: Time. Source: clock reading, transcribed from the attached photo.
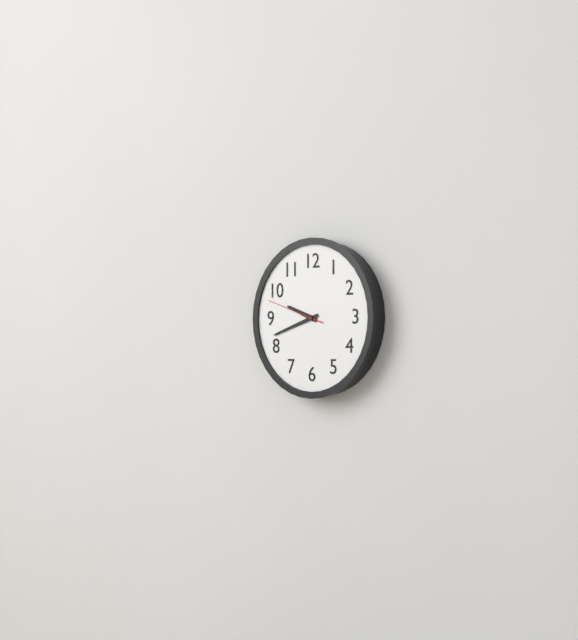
9:42:48
